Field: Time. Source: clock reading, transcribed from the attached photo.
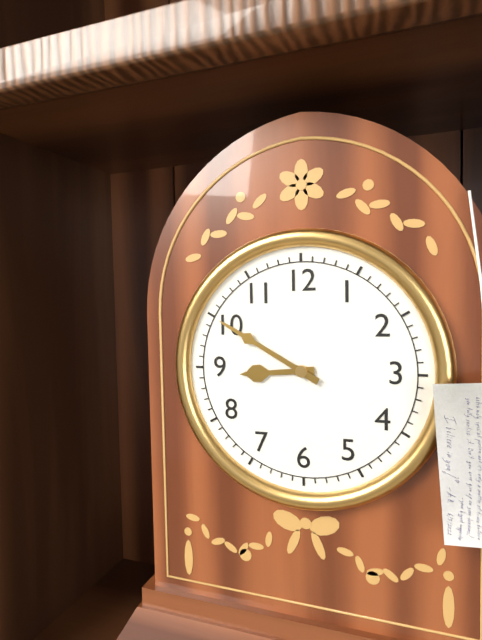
8:50
